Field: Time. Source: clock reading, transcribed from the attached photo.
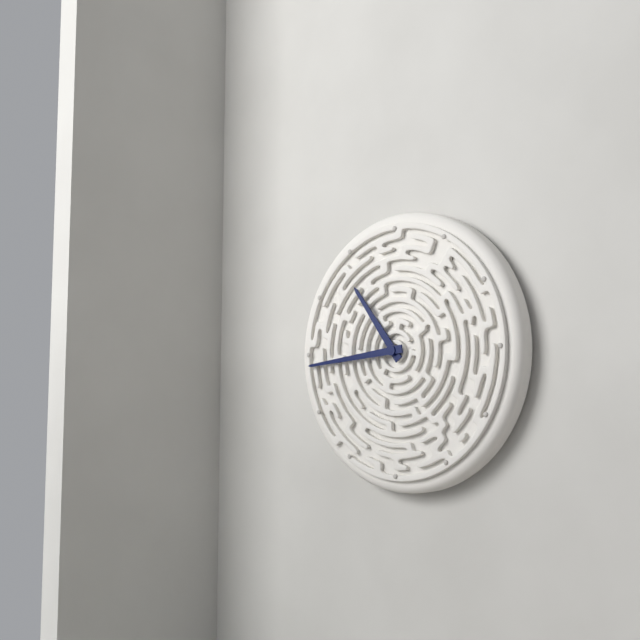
10:44
